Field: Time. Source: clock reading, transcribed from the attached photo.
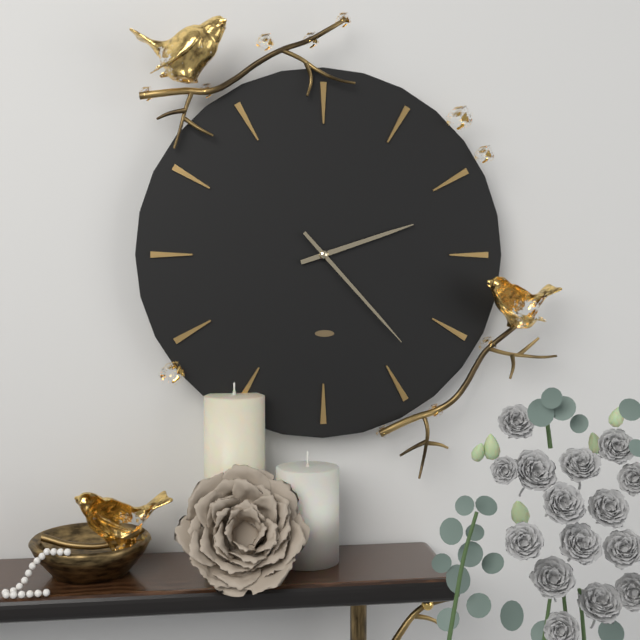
2:23
